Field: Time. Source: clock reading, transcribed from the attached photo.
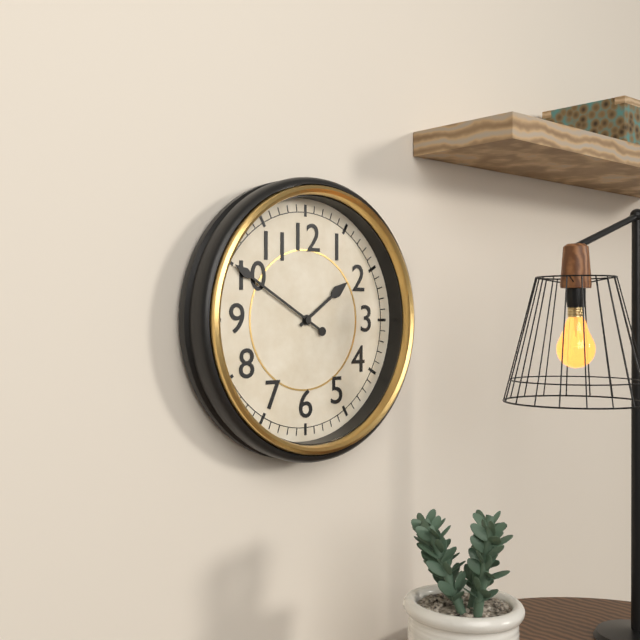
1:50
